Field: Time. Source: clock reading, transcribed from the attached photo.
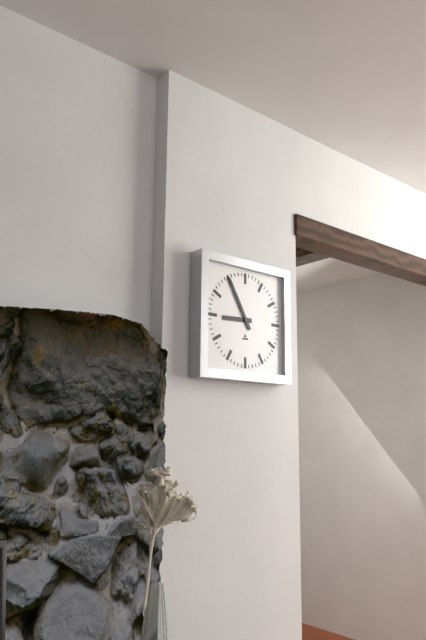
8:55
